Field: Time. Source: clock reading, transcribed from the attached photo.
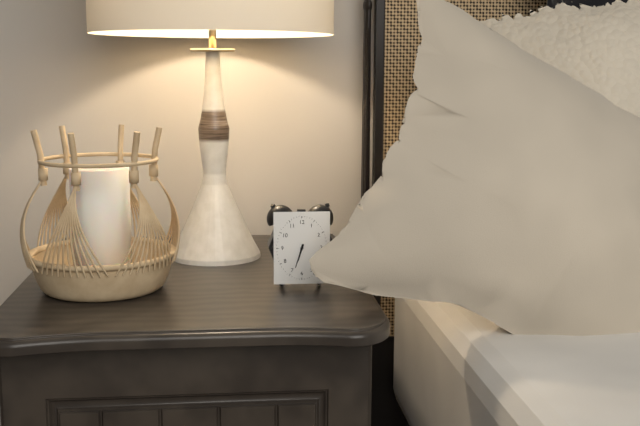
6:33
